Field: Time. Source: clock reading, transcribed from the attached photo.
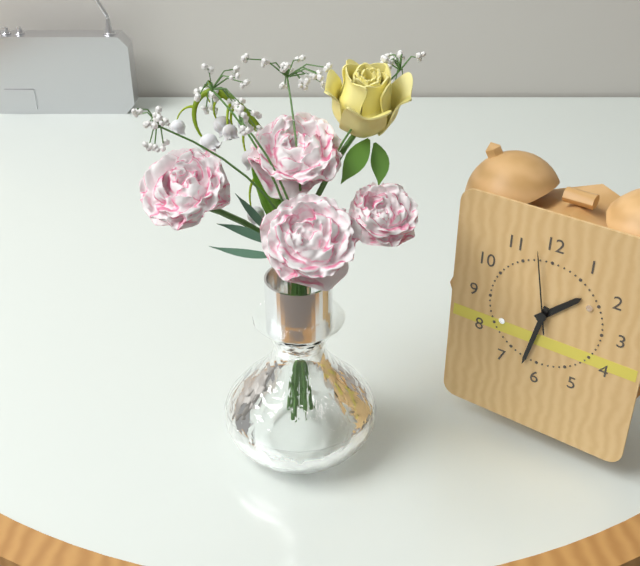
1:32:58
